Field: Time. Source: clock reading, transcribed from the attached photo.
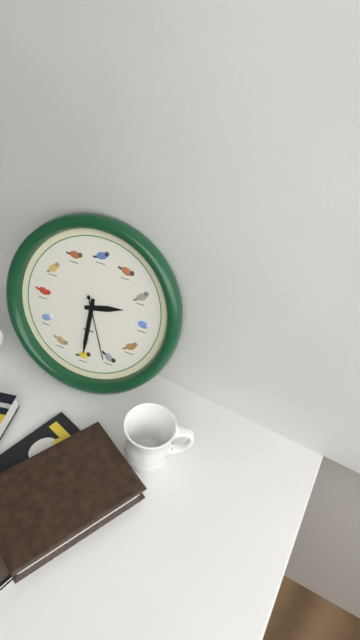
2:30:26
